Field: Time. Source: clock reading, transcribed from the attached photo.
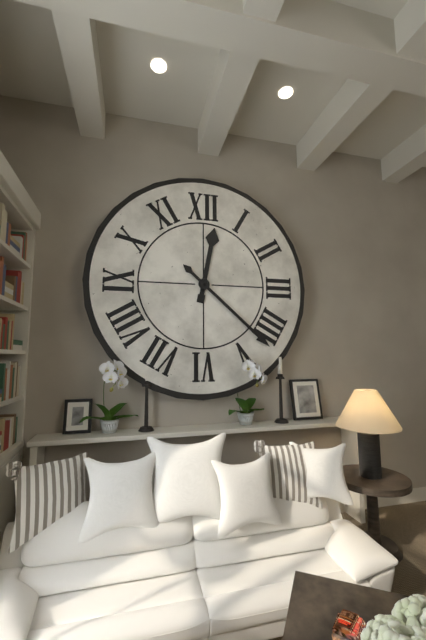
12:22
